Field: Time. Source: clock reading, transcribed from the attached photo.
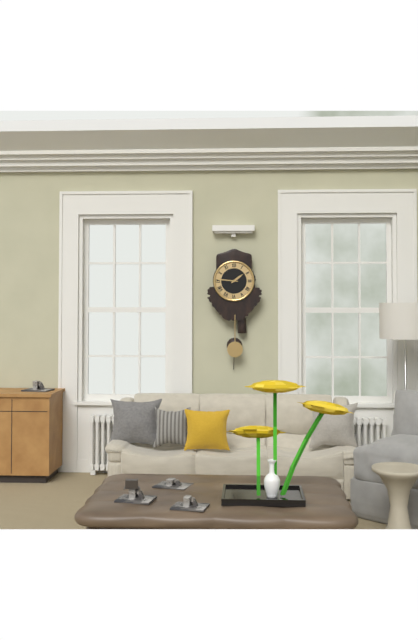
1:46
